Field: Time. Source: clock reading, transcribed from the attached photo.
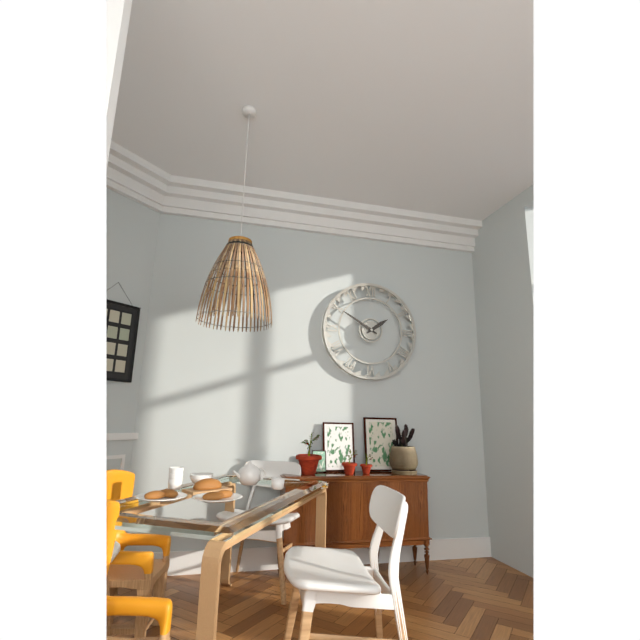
1:50
